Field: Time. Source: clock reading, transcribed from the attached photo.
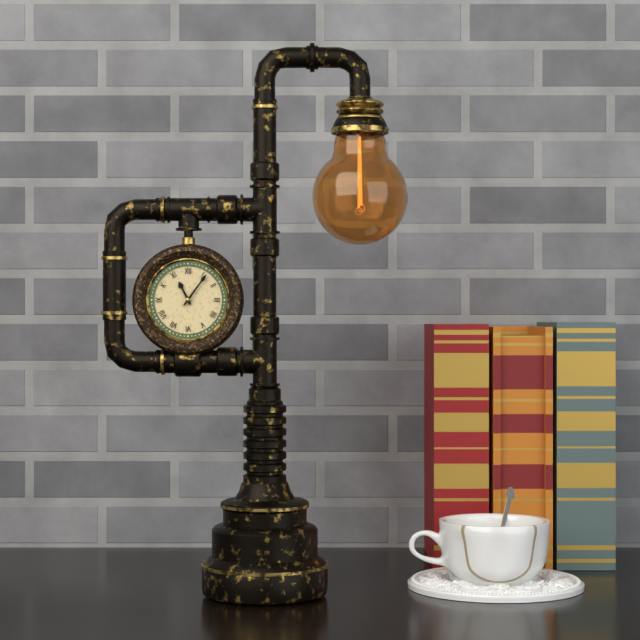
11:06
